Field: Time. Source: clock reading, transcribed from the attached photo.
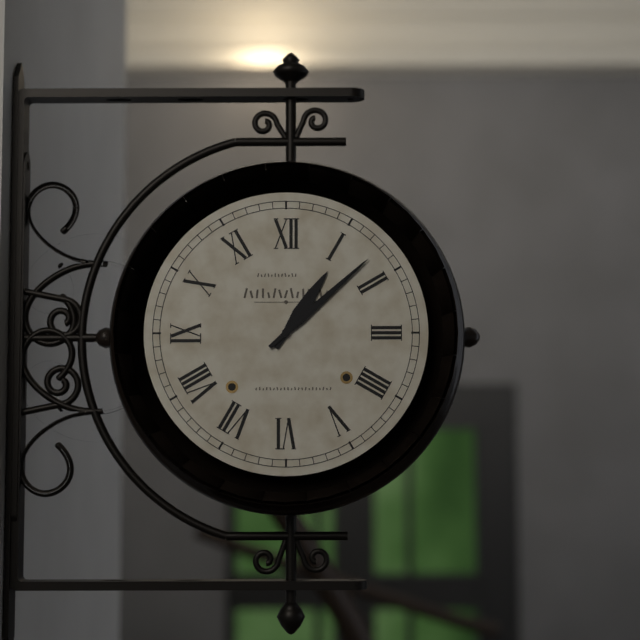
1:08
